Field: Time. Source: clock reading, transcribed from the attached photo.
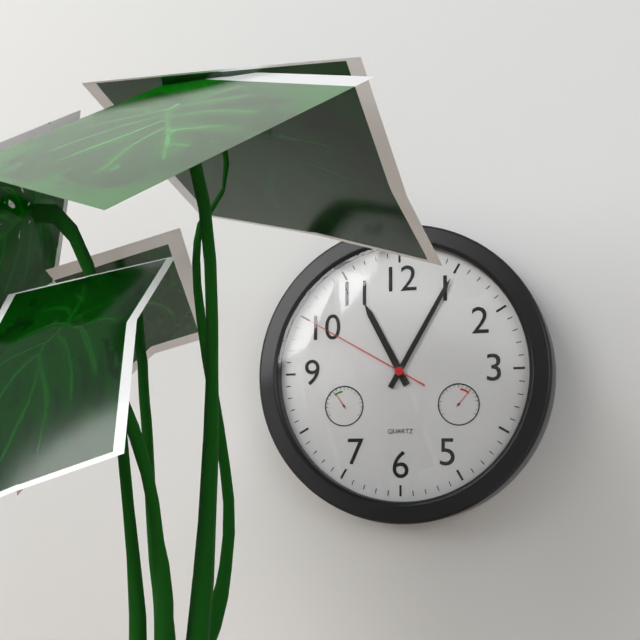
11:05:50
